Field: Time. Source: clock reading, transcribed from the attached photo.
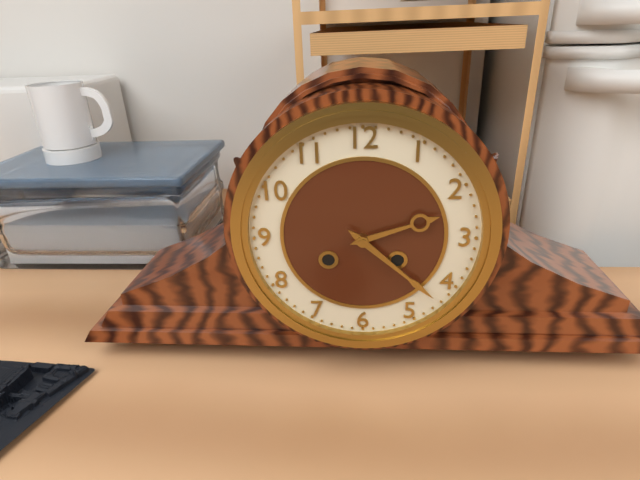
2:22
